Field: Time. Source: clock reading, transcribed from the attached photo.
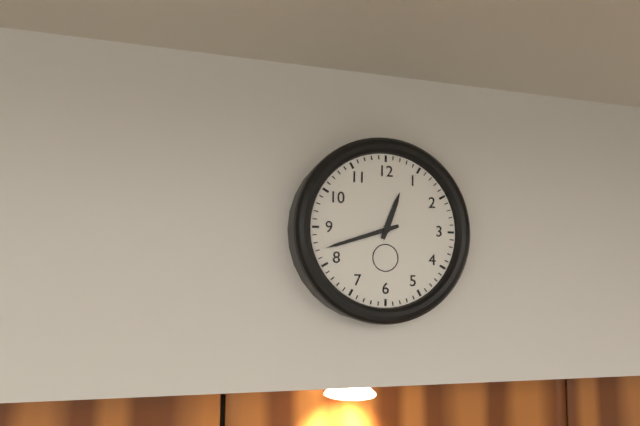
12:42
